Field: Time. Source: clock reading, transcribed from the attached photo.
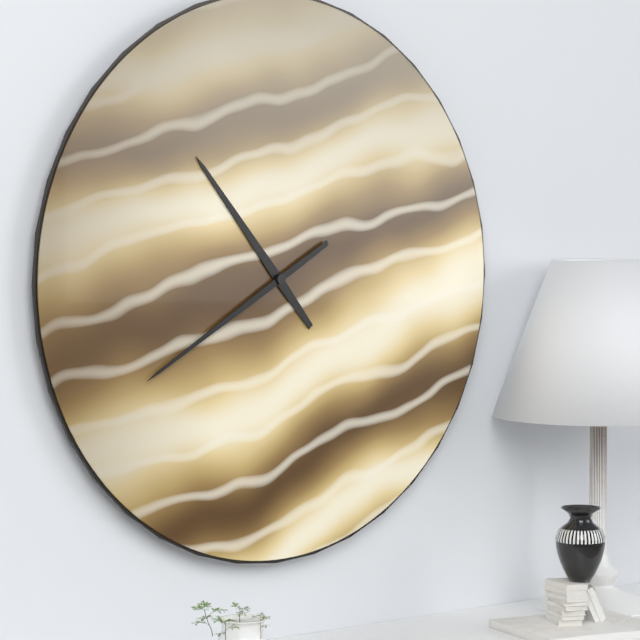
10:40
